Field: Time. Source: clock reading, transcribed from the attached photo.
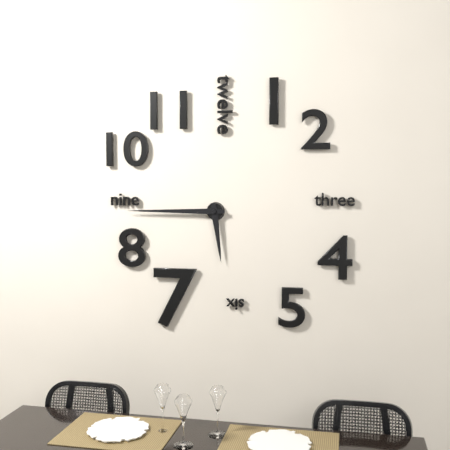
5:45
